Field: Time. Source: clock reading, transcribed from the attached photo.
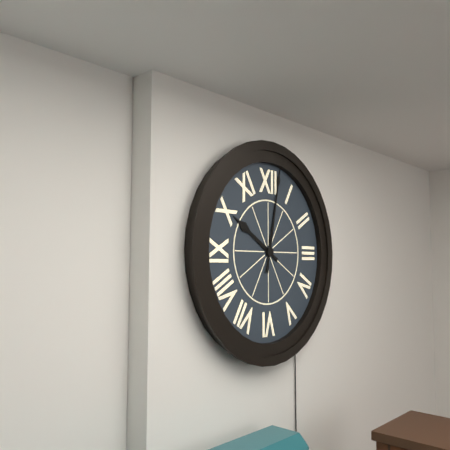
10:02
